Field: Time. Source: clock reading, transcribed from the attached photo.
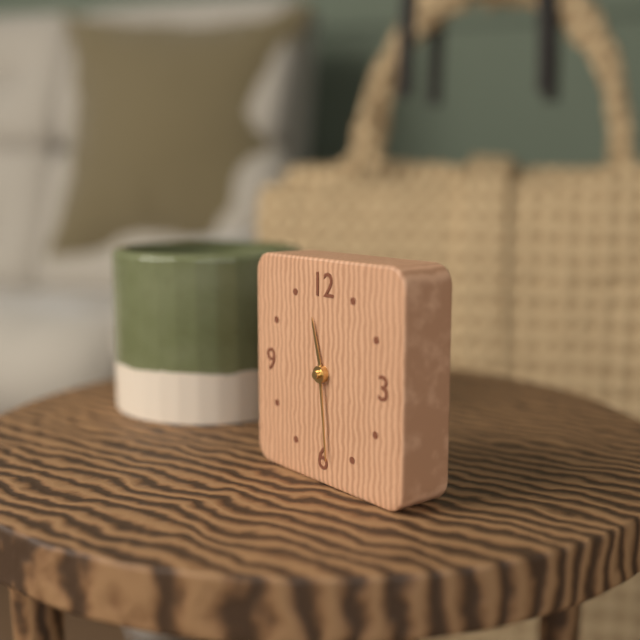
11:29
